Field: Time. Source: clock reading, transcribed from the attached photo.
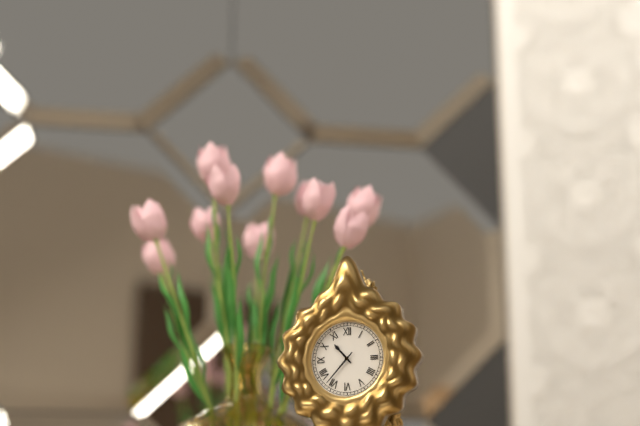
10:37
